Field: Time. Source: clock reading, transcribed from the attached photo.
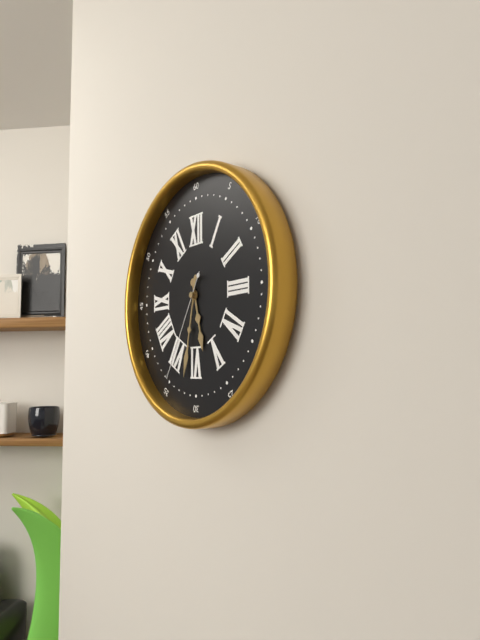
5:32:35
